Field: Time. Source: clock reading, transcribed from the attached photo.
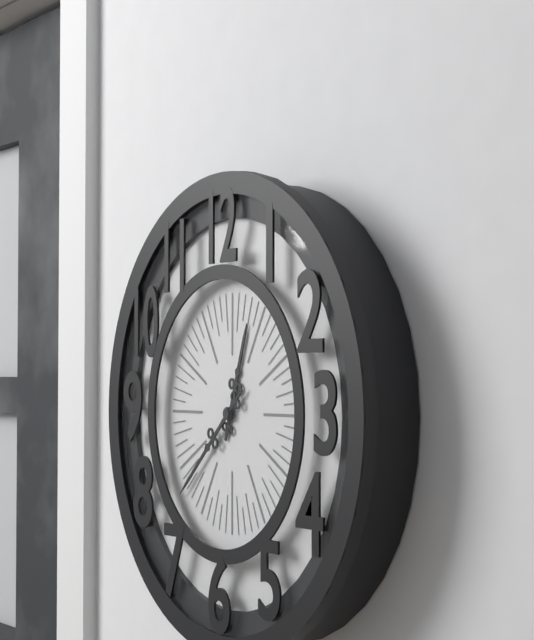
12:38
